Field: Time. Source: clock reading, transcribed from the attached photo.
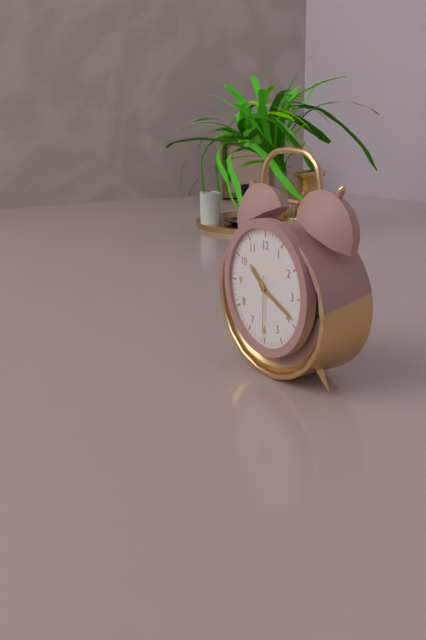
10:19:30
